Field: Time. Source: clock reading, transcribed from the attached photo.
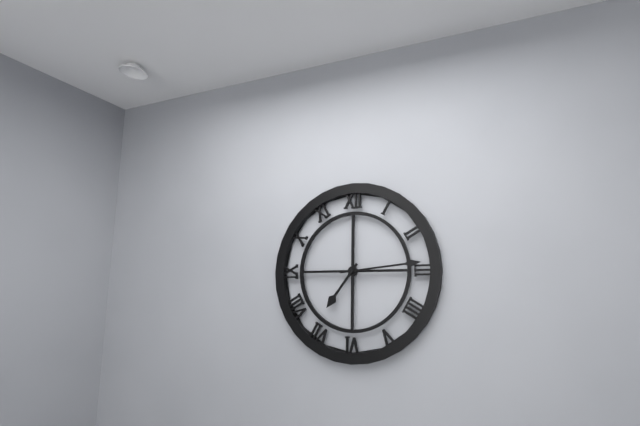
7:14
